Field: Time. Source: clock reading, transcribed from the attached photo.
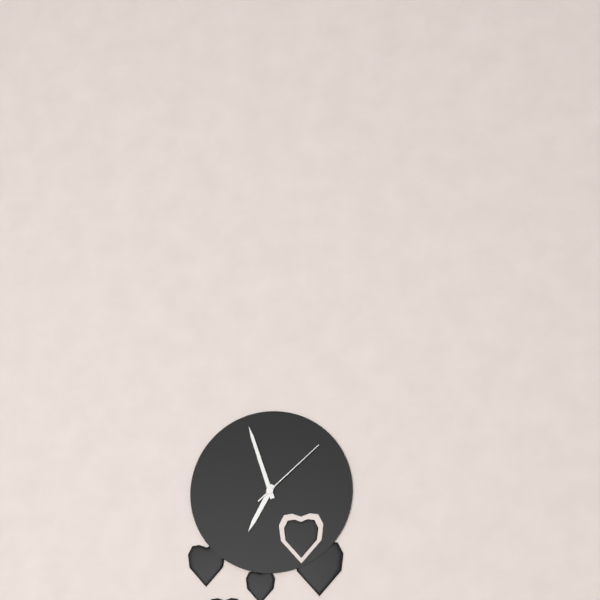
6:57:08
